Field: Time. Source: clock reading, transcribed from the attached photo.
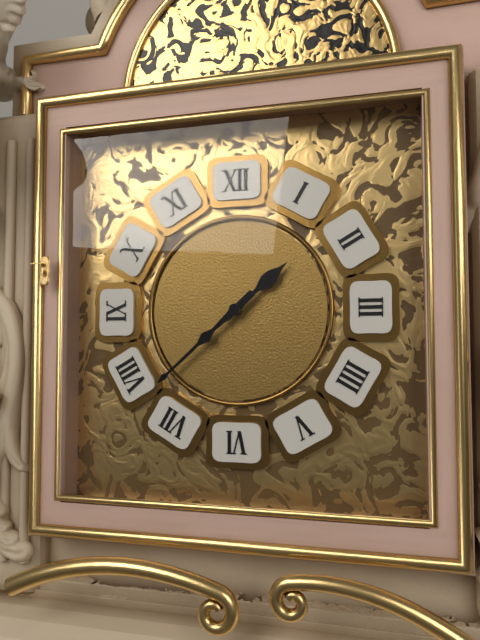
1:38
